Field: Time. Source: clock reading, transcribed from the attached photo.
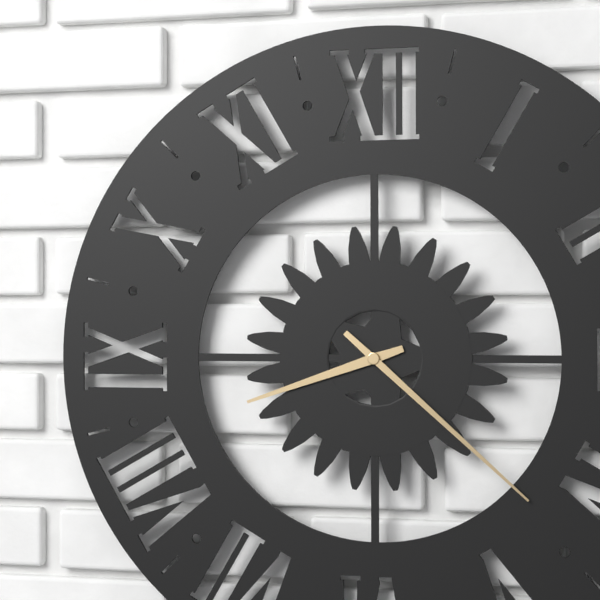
8:22
